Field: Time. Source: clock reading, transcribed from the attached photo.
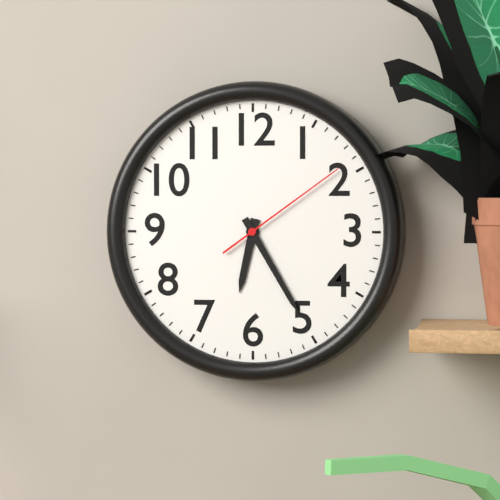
6:25:09
